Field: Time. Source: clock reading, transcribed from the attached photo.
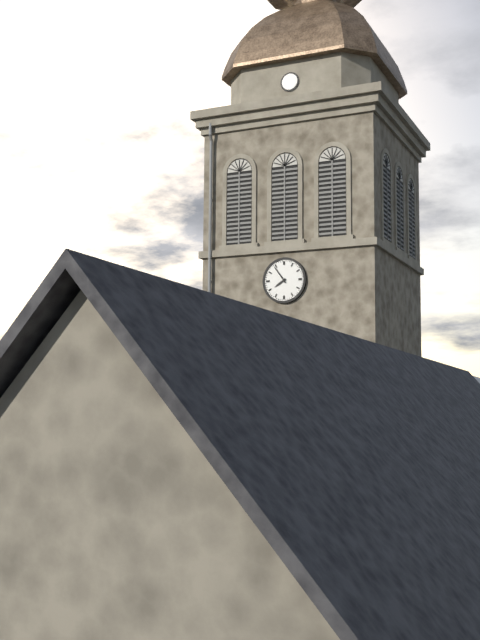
7:54
